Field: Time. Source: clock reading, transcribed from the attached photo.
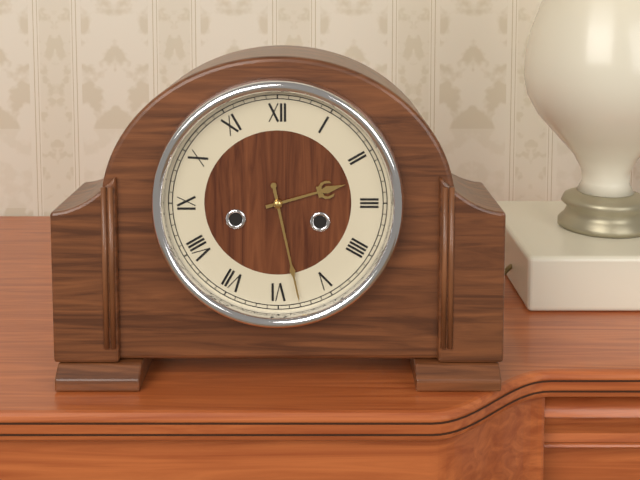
2:28
